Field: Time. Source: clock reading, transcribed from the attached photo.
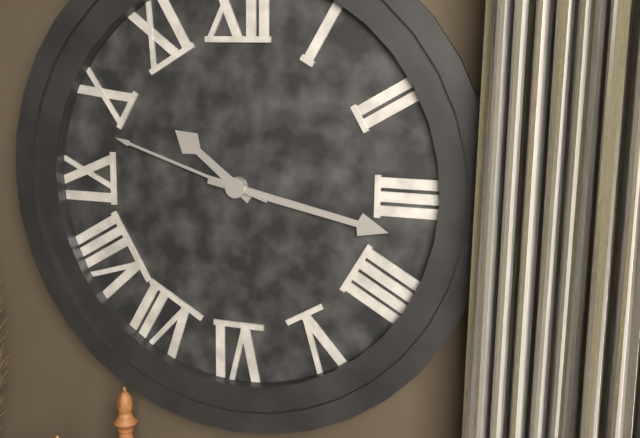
10:17:48
